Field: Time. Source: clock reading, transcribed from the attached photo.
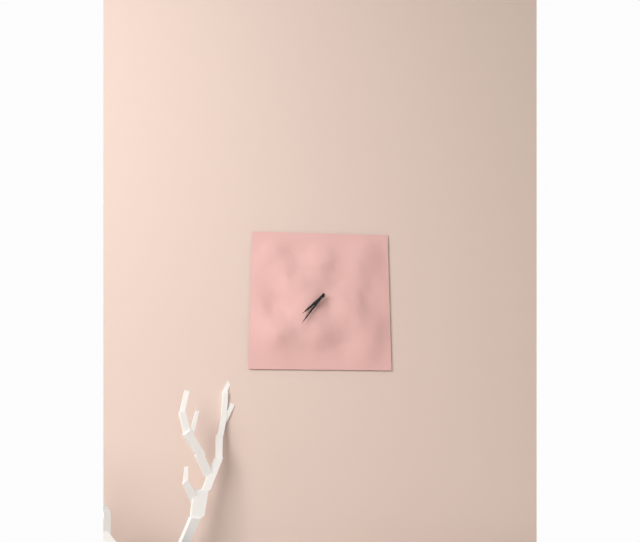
7:36
